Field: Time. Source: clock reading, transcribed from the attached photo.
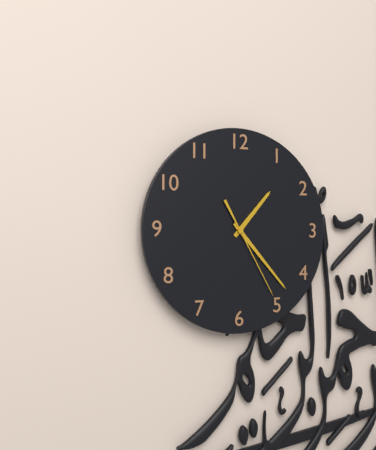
1:23:25
